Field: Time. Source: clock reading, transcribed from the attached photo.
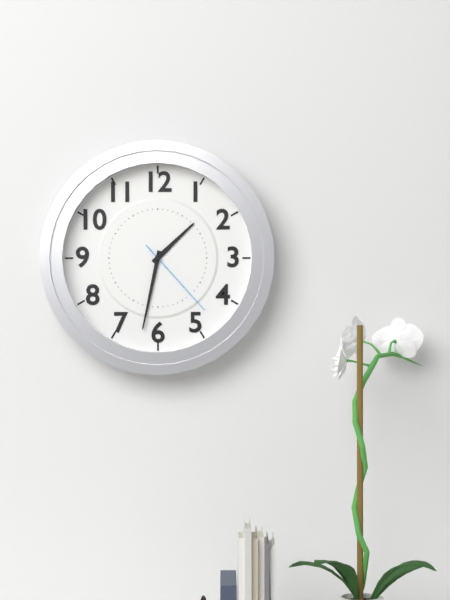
1:32:23
